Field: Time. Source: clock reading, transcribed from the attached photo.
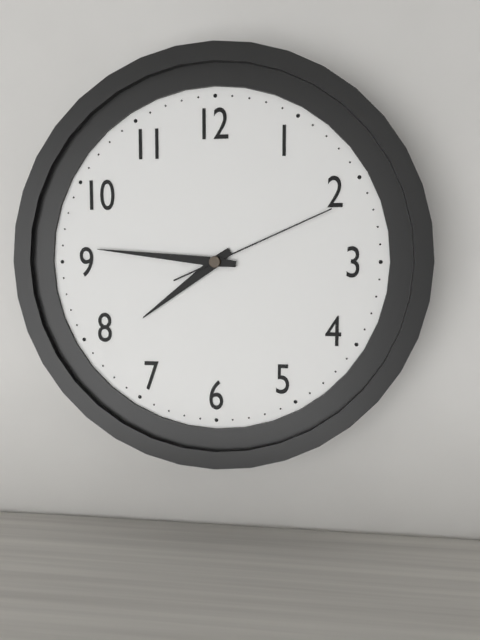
7:46:11
